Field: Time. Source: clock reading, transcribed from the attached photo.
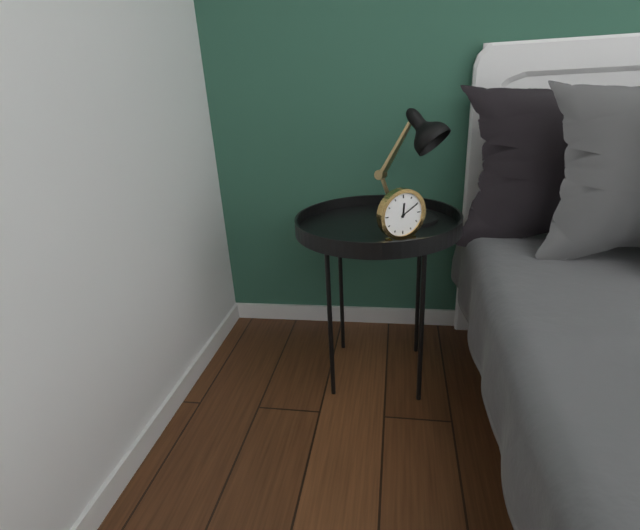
12:10
